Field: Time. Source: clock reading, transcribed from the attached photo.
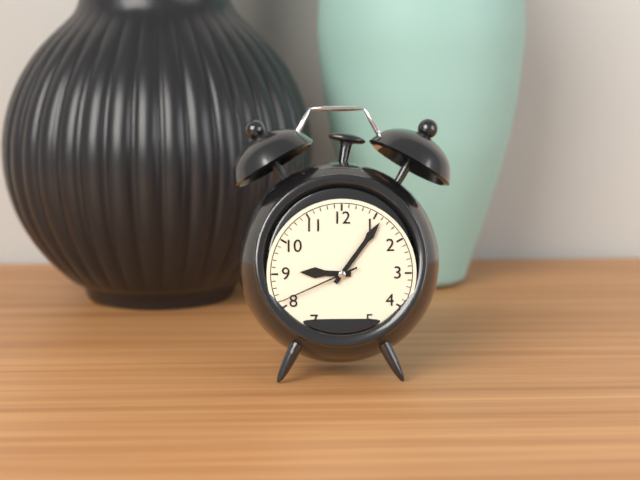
9:06:41
